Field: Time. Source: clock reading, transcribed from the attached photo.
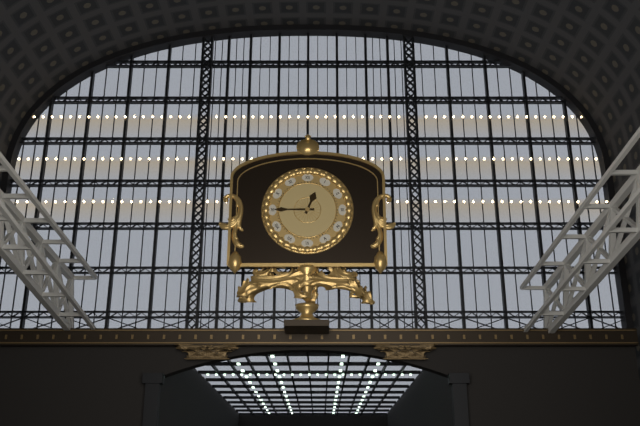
12:45
